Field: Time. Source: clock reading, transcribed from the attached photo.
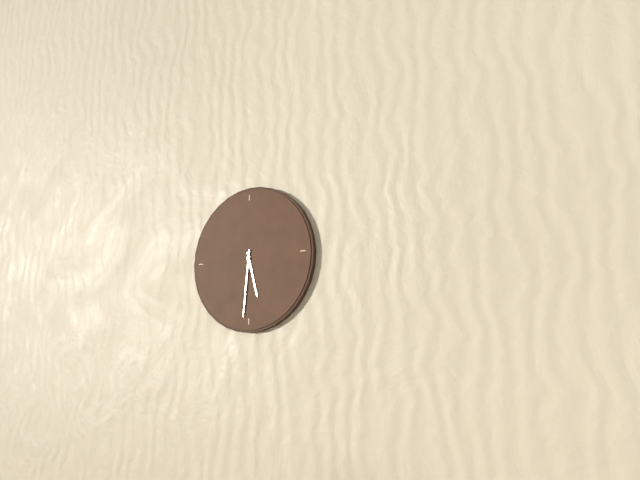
5:31
